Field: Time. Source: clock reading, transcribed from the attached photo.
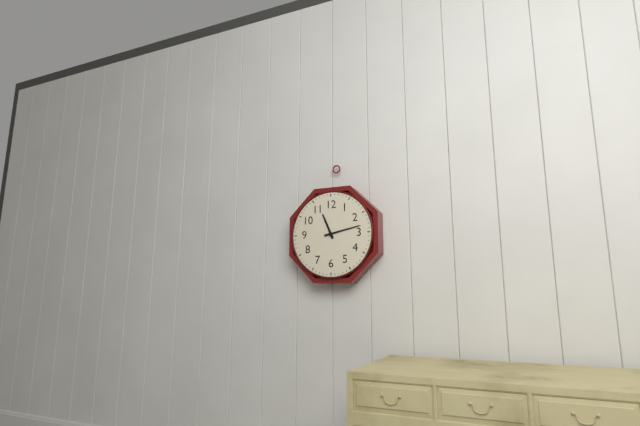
11:13
